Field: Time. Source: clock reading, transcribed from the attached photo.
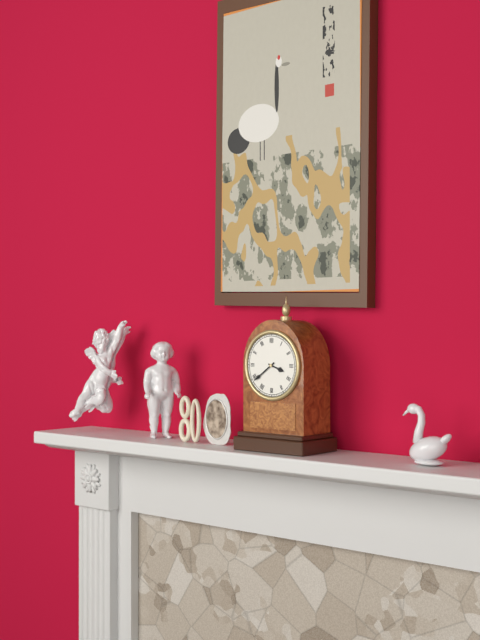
3:39
